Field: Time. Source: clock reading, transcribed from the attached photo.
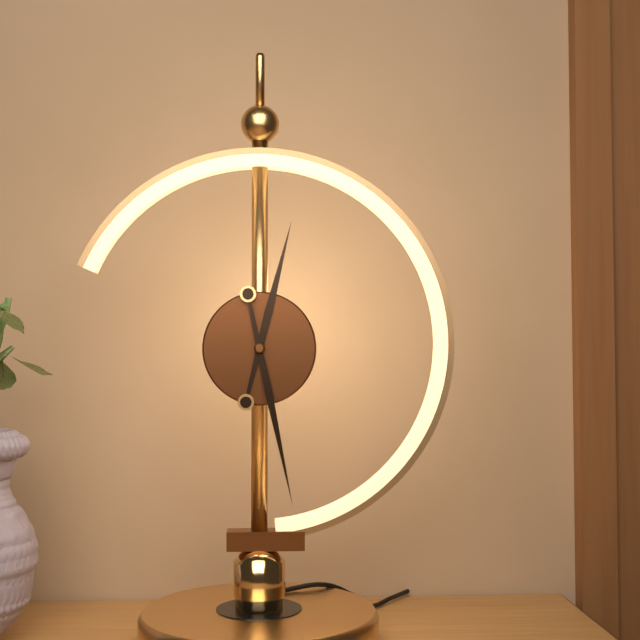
12:28
